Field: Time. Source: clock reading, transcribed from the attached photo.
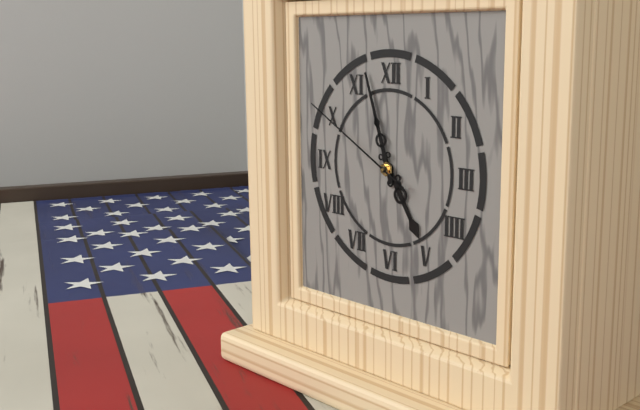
4:57:50
